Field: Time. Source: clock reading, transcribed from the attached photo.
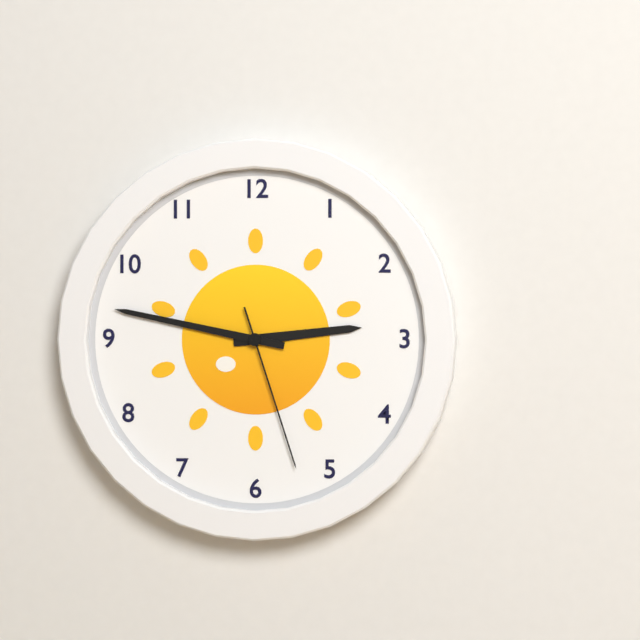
2:47:27
